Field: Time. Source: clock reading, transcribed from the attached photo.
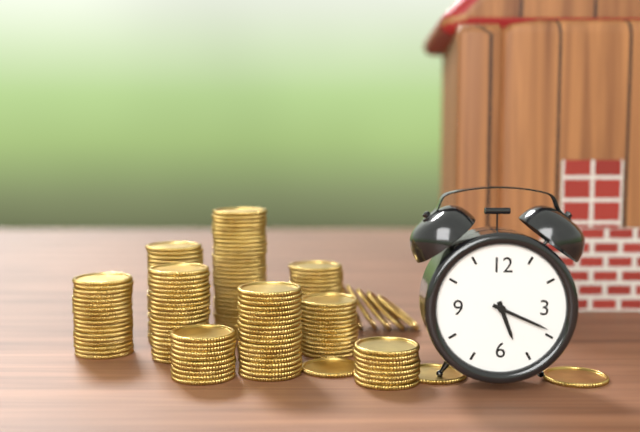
5:19
